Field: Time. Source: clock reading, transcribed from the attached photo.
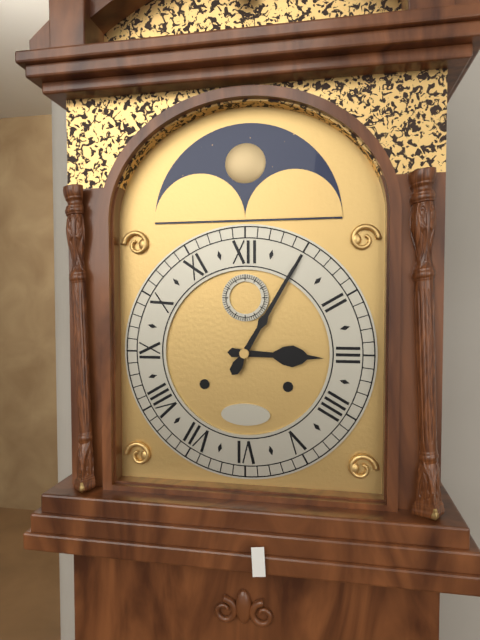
3:05
